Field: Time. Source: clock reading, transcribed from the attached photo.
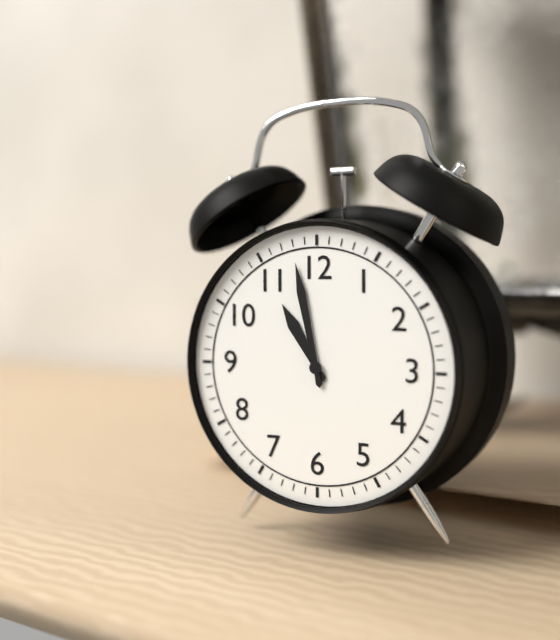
10:58
